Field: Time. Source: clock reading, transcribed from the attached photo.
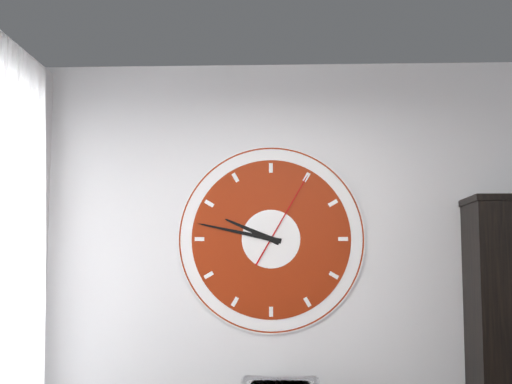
9:47:05
